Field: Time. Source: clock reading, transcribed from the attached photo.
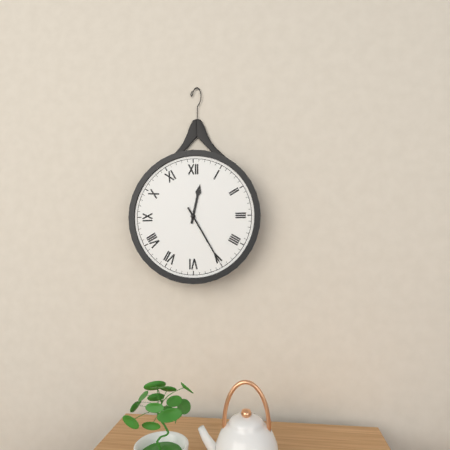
12:25
